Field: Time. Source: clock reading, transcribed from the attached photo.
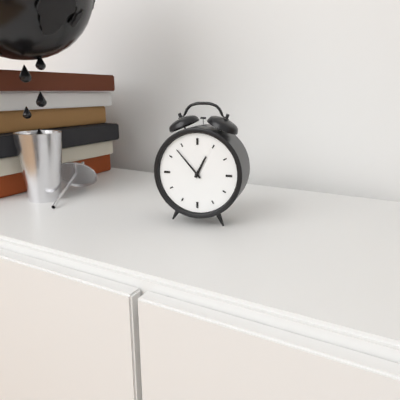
12:53
